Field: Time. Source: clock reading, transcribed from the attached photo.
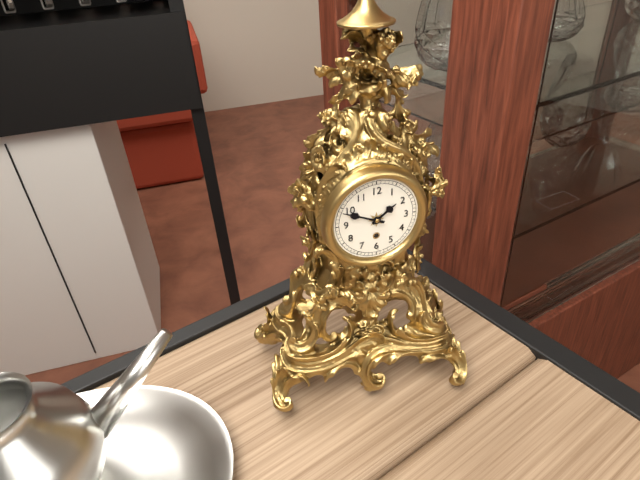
1:49
